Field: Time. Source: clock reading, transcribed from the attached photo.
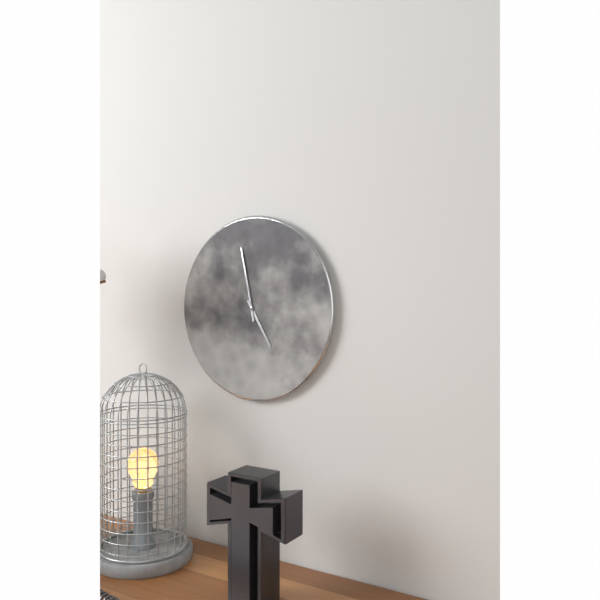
4:58
